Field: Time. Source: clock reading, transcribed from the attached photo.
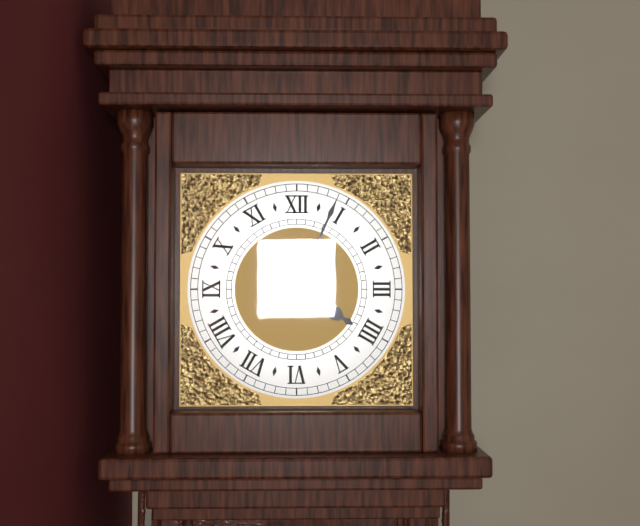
4:04
